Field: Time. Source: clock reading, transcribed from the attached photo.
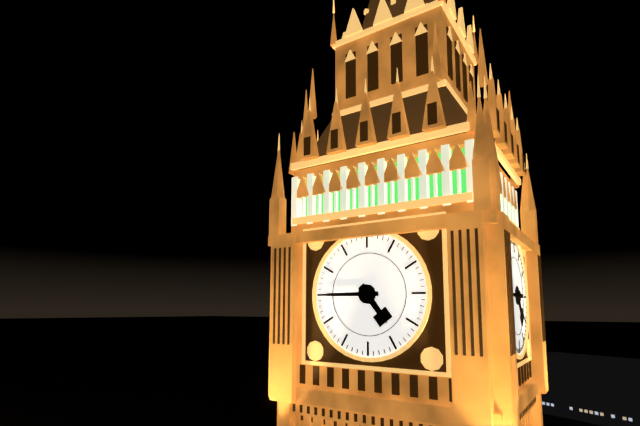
4:45
